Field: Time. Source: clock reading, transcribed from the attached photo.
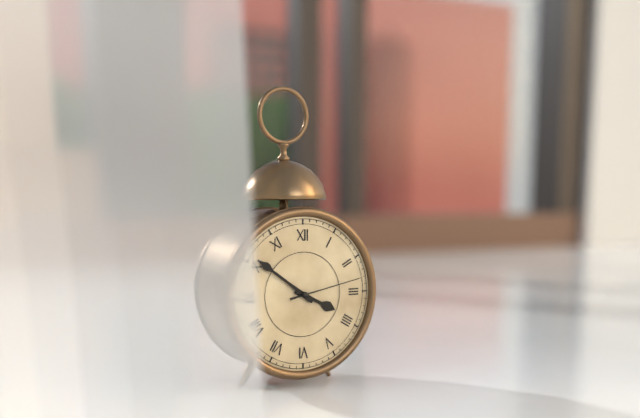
3:51:13
